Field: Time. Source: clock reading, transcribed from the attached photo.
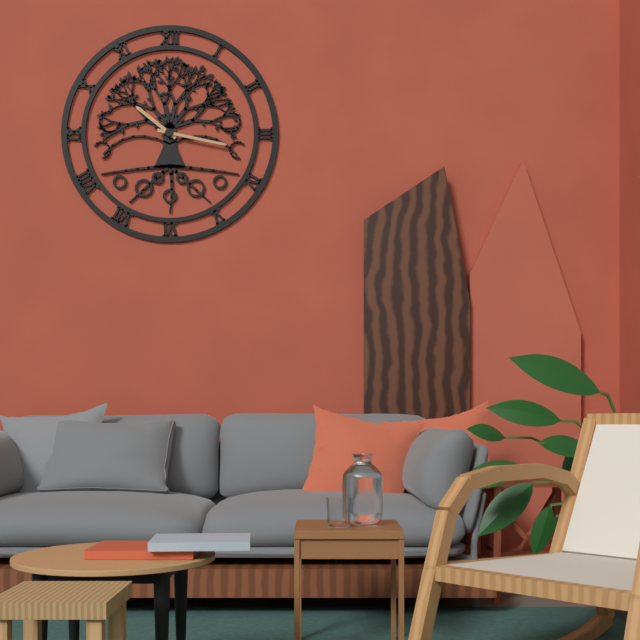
10:17
